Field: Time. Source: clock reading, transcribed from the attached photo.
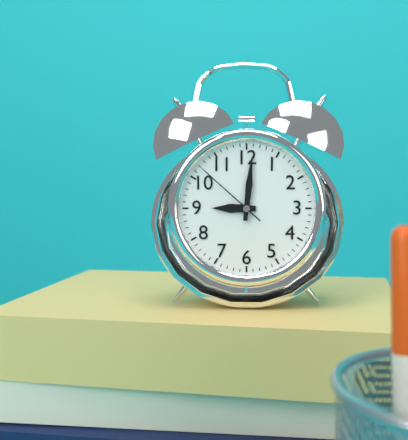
9:01:52
